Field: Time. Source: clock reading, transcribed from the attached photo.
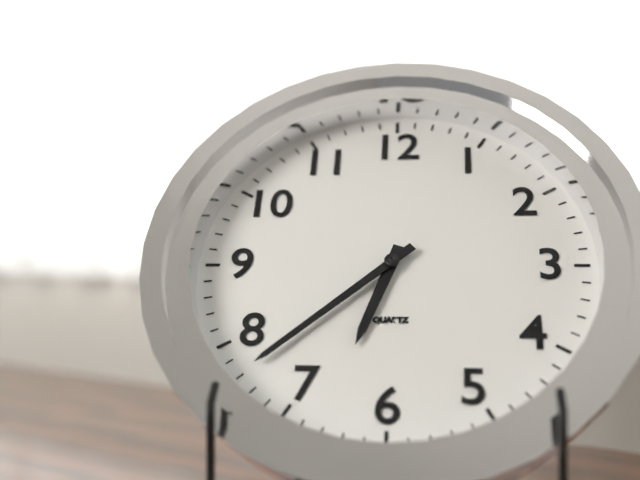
6:38
